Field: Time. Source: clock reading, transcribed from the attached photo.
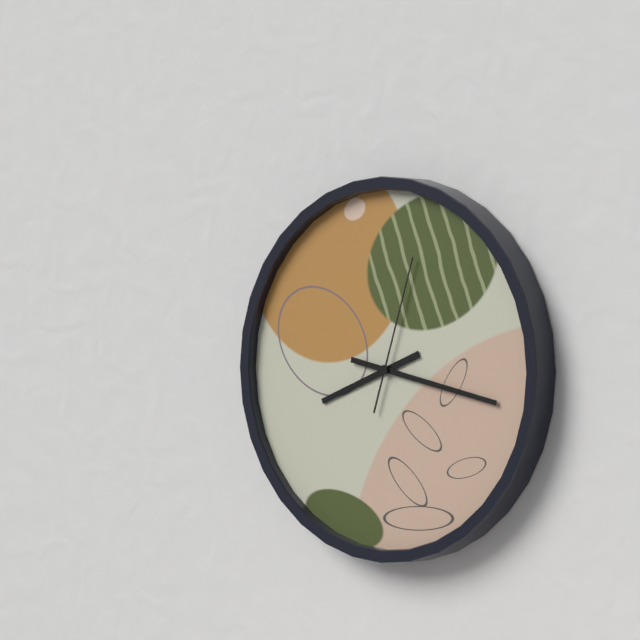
8:17:03
